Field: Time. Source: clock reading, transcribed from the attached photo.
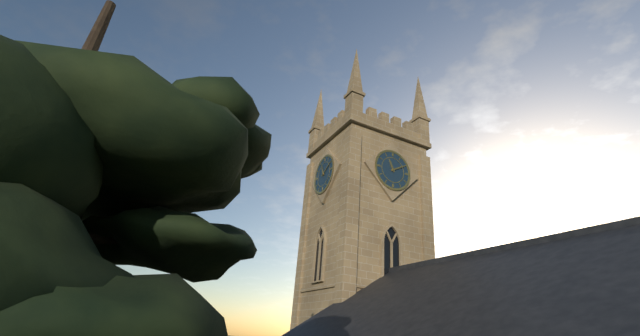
11:10
